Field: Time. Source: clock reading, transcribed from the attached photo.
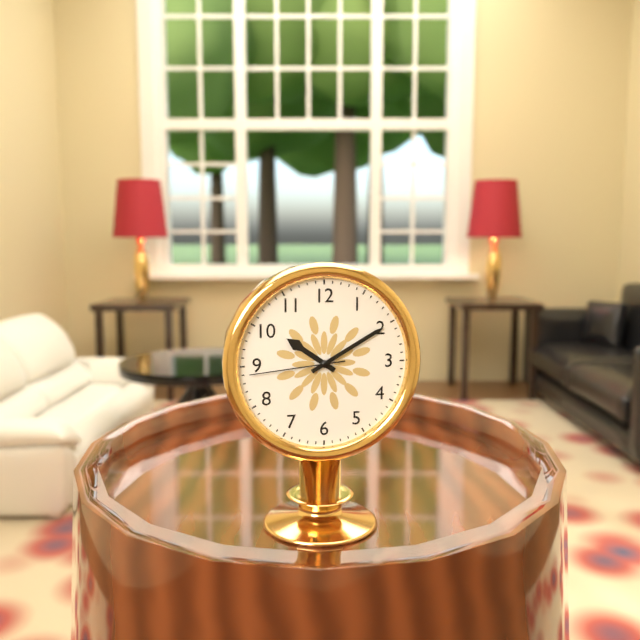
10:10:44
